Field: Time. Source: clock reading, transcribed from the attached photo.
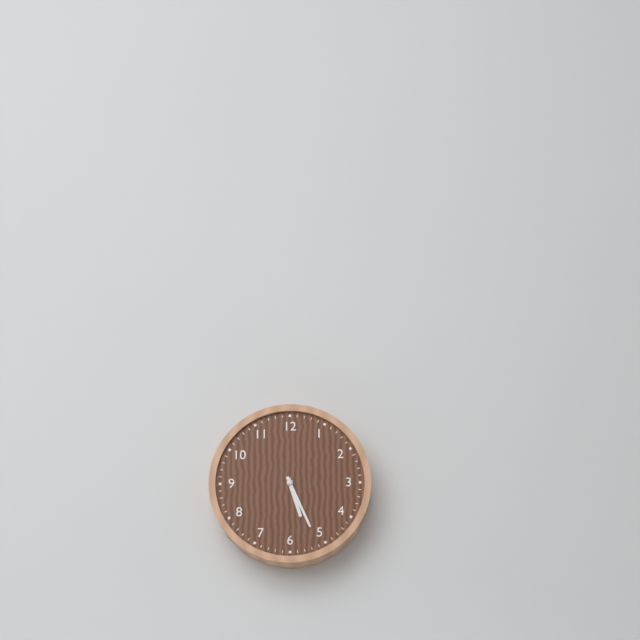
5:26
